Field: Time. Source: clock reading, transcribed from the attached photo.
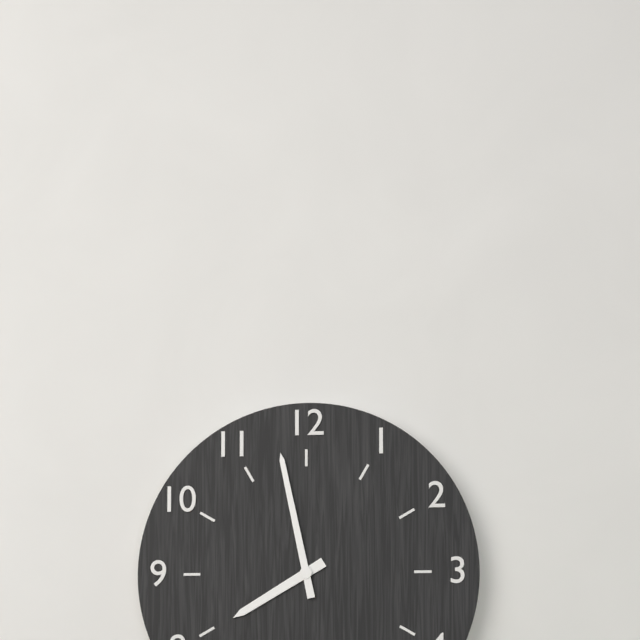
7:58
